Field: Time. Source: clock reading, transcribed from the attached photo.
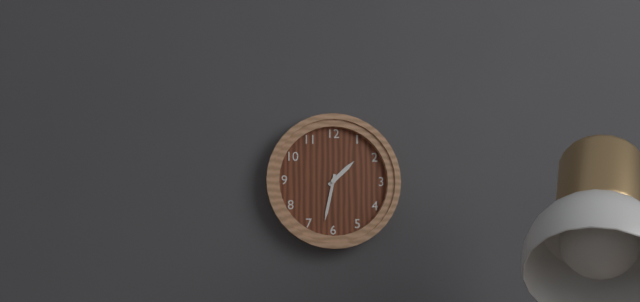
1:32
